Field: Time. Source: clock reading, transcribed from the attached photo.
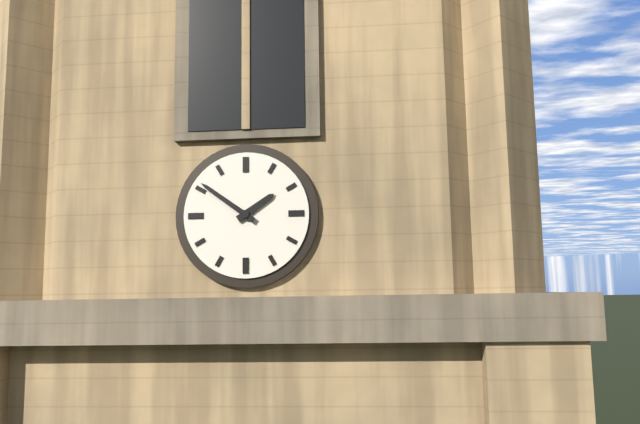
1:51
